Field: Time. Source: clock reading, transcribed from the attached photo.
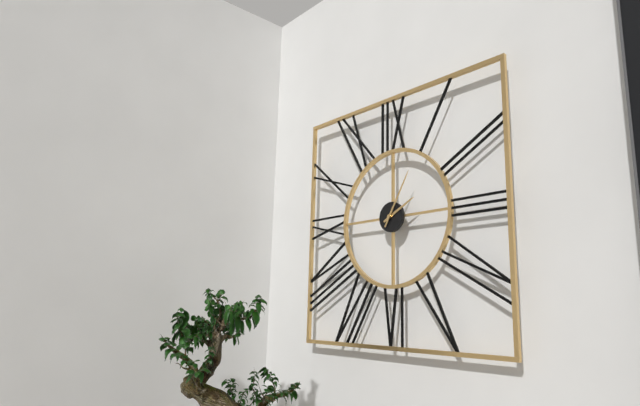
2:05
